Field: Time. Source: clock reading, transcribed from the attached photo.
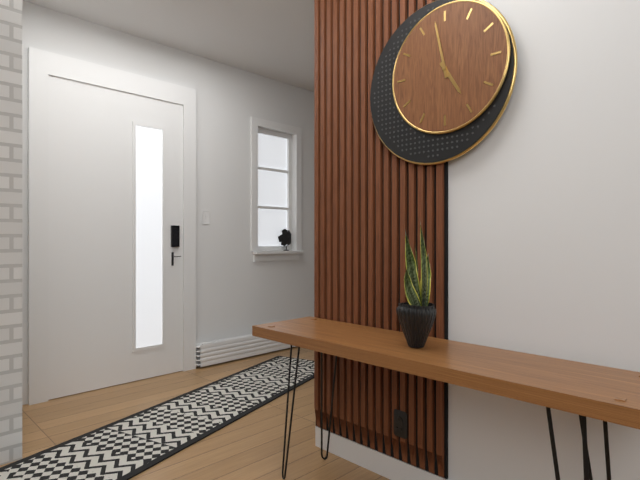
4:58
